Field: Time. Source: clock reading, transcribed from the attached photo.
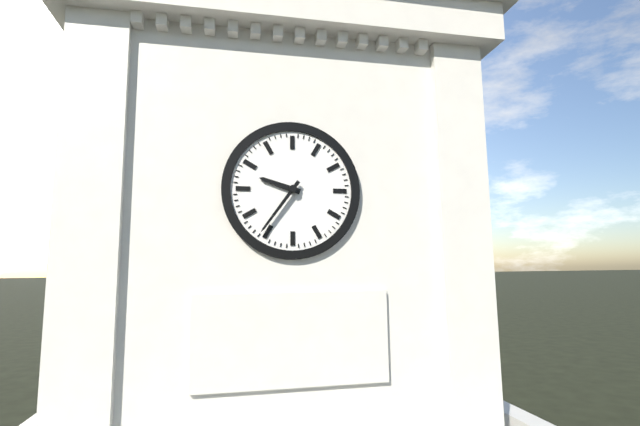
9:36
